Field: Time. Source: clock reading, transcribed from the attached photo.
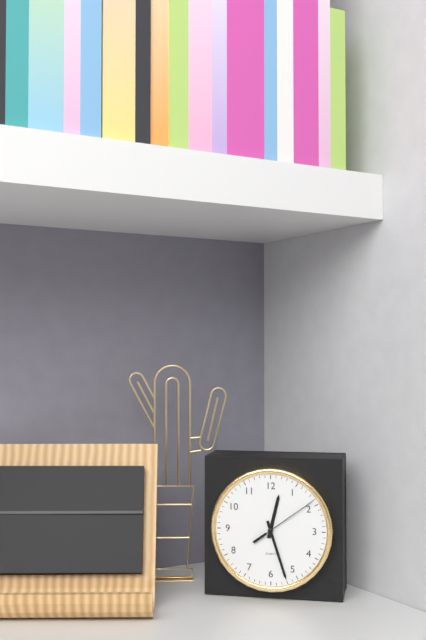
12:27:09
